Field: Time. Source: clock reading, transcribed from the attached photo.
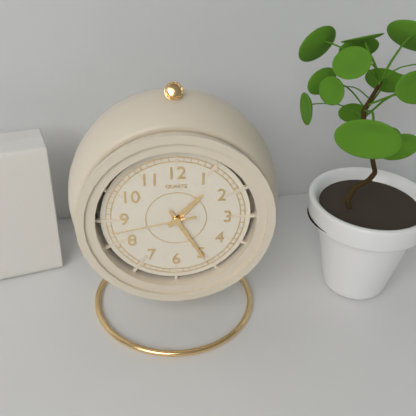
1:25:43
